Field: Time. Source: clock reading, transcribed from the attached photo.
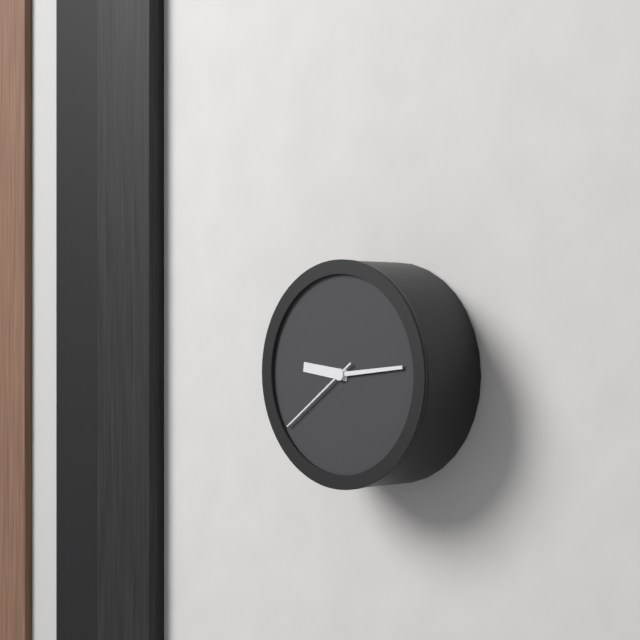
9:14:39
